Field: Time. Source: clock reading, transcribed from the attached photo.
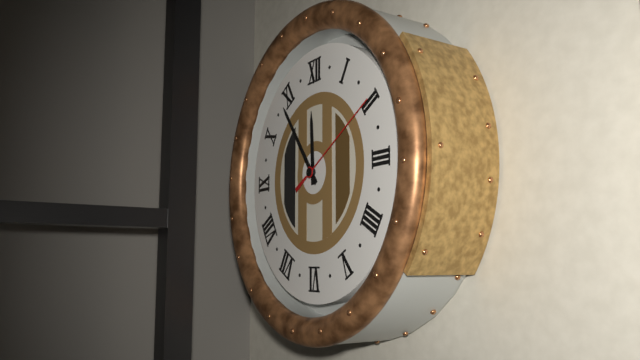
11:54:10
